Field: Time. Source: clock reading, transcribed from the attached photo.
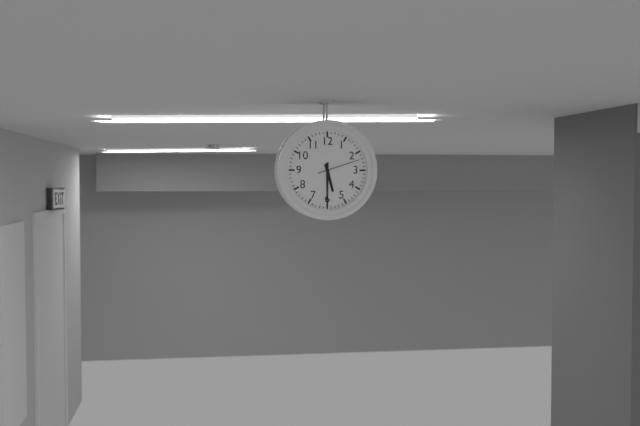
5:30
